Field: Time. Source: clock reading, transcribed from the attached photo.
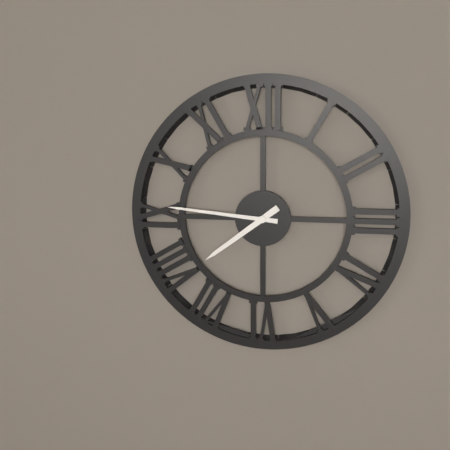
7:46
